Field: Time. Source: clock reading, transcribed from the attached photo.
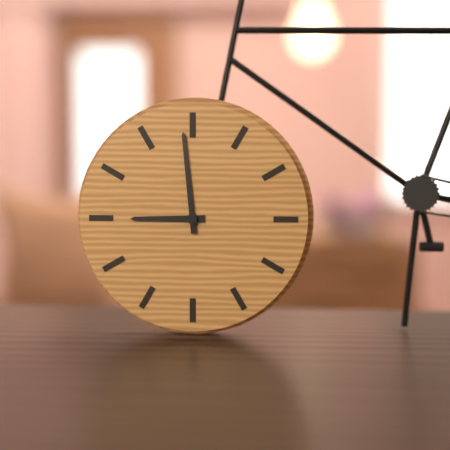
8:59
